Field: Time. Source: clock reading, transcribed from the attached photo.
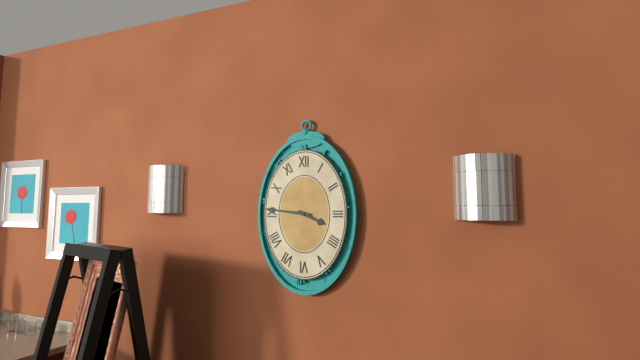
3:46
